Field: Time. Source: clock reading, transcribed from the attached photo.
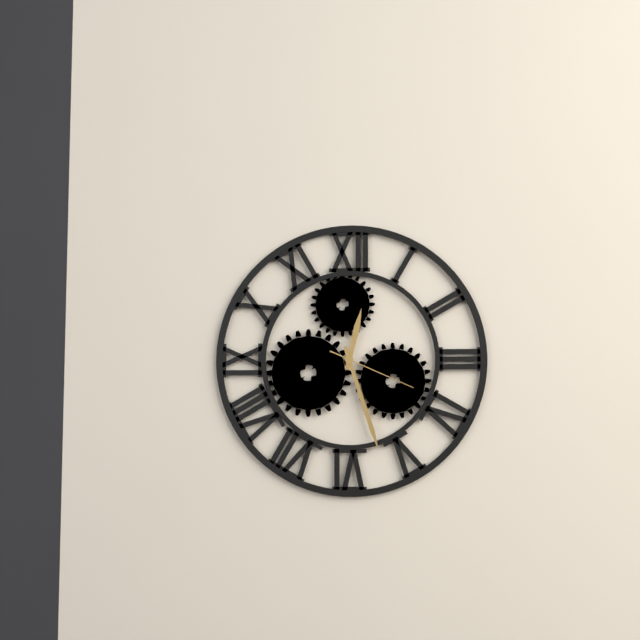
12:27:19
